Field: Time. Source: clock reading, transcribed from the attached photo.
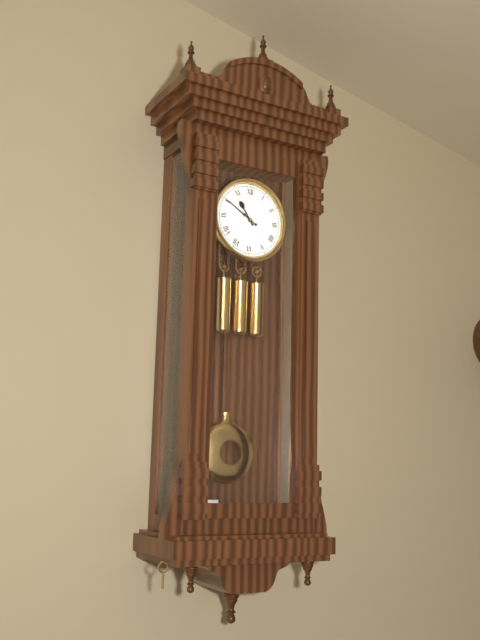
10:50
